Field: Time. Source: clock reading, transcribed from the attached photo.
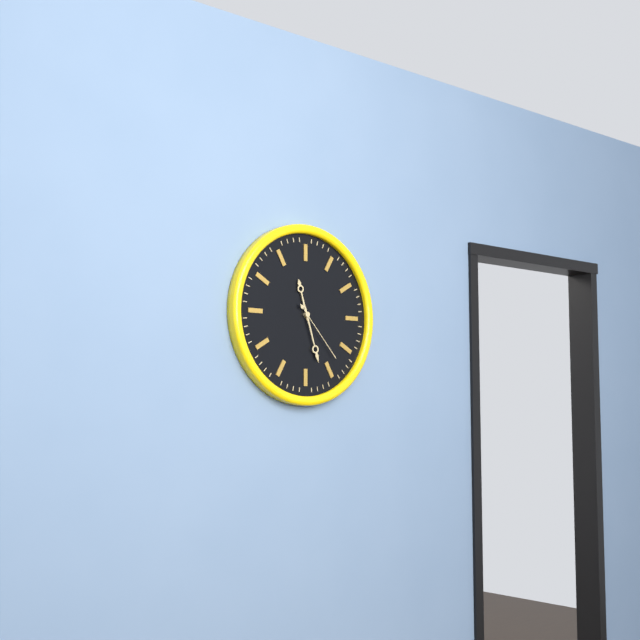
11:27:23
